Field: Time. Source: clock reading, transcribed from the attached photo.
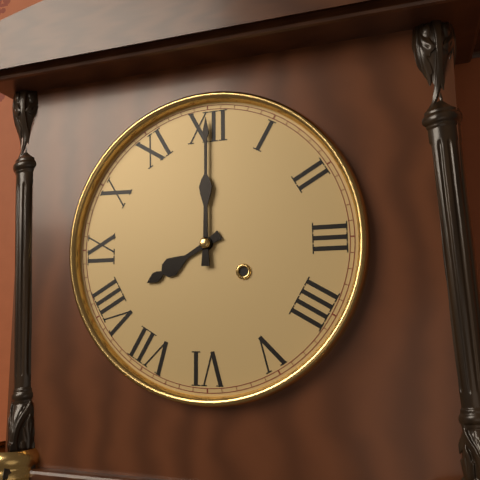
8:00
